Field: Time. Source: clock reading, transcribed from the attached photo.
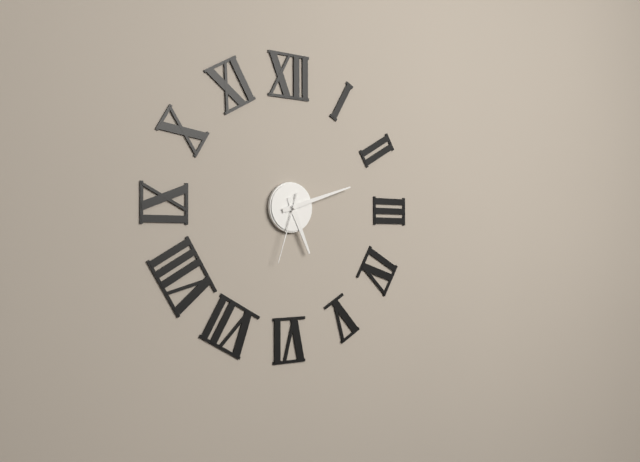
5:12:33
